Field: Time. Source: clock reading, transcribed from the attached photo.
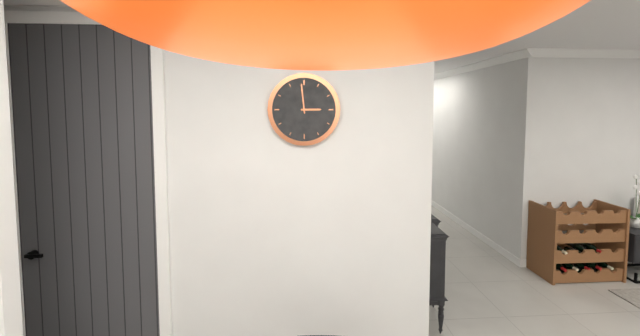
2:59
